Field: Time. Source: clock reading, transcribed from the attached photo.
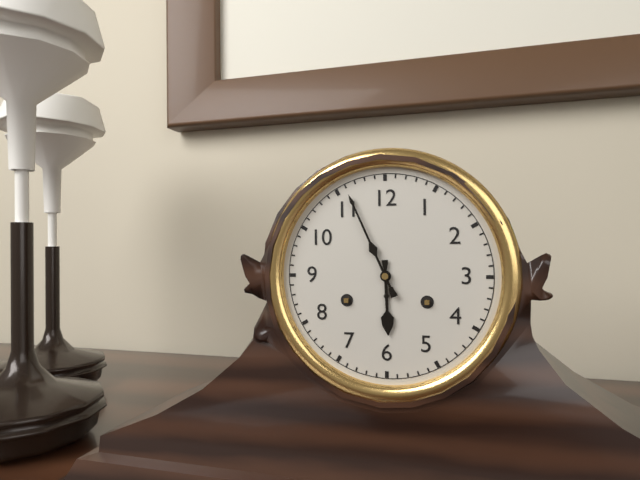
5:56
